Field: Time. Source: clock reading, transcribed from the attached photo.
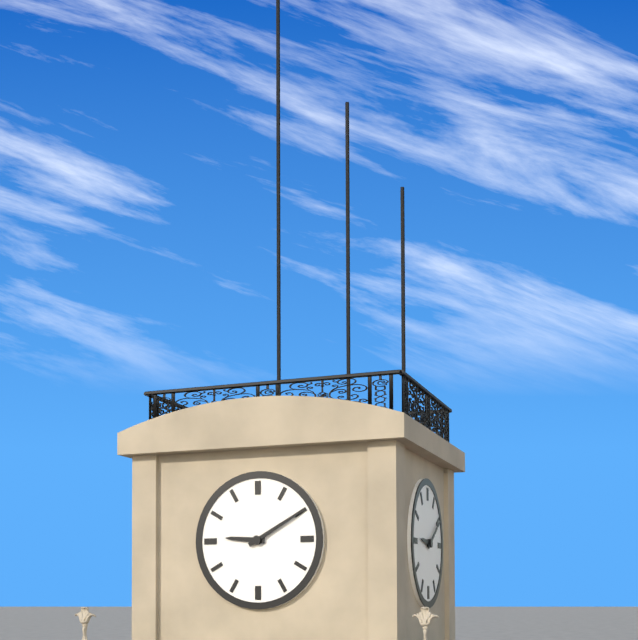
9:10
